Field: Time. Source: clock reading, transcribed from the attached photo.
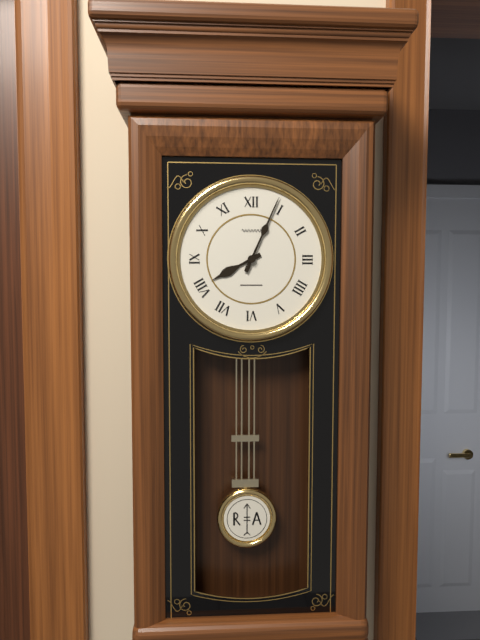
8:04
